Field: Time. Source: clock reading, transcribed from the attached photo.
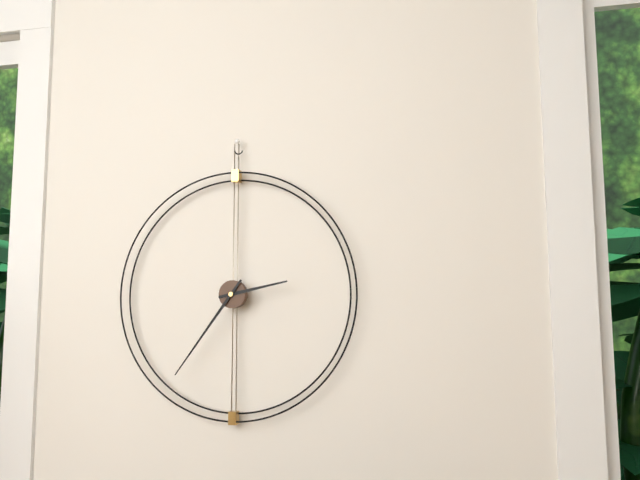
2:36
